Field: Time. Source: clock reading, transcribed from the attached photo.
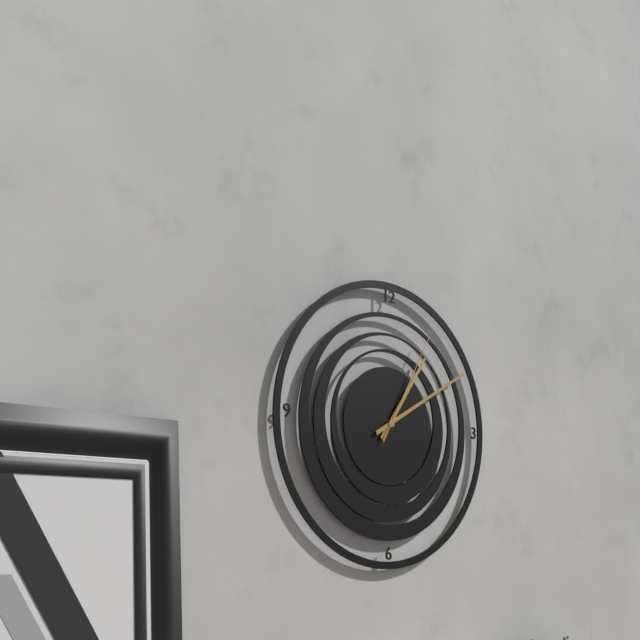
1:10:05
